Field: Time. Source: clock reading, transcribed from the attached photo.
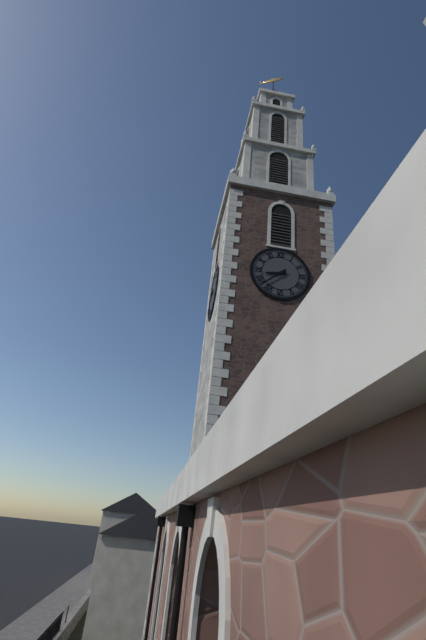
8:38
